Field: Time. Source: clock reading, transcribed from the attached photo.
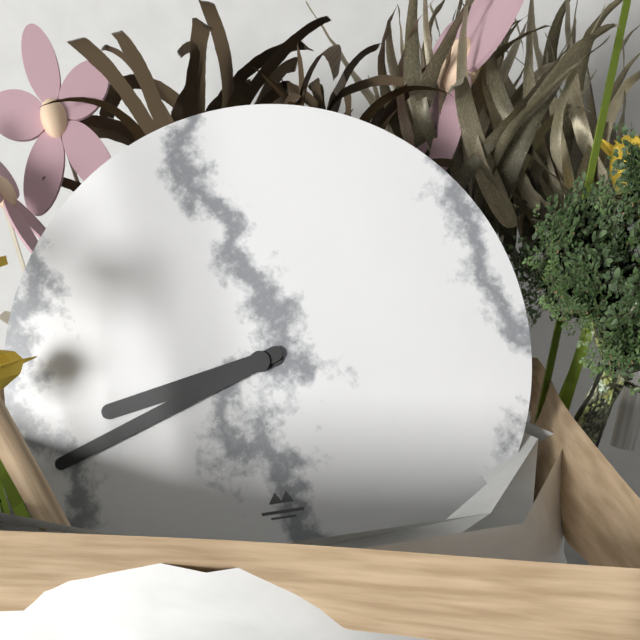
8:42
